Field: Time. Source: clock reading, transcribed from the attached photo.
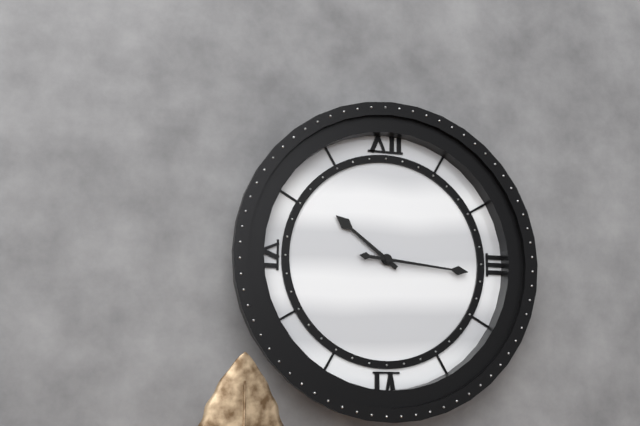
10:16
